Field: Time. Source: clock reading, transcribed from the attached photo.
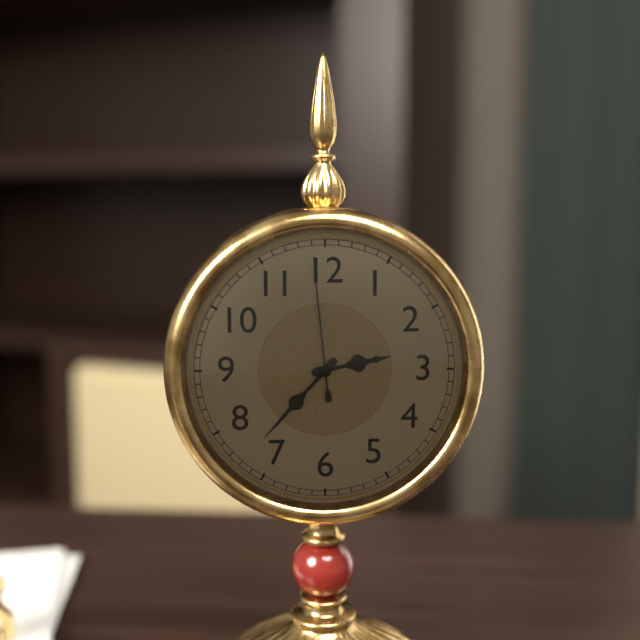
2:37:59
